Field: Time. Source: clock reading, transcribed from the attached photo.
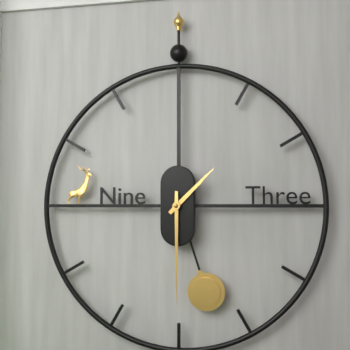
1:30
